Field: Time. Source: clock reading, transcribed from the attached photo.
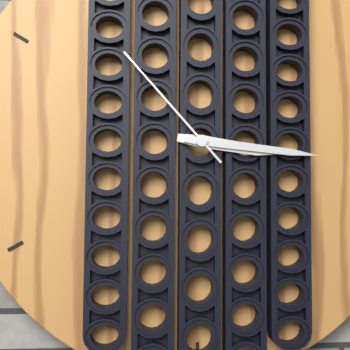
3:16:53
